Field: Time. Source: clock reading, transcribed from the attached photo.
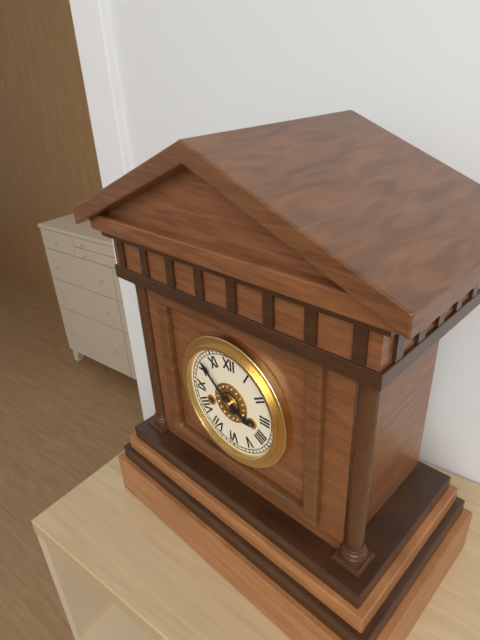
3:52
